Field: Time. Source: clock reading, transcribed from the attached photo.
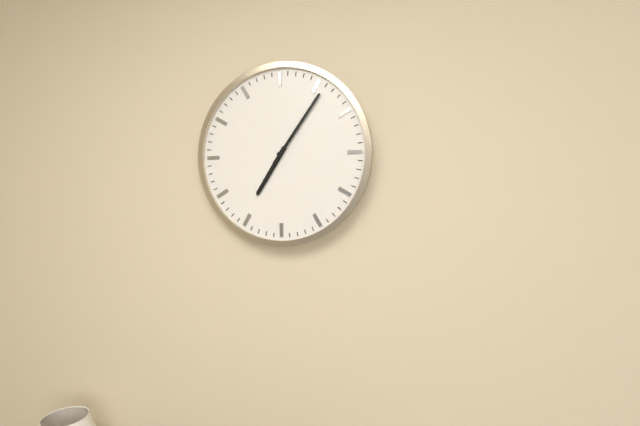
7:06
